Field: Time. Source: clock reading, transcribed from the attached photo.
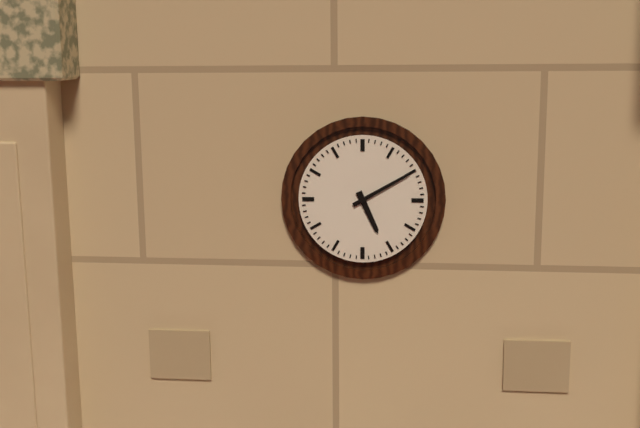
5:10
